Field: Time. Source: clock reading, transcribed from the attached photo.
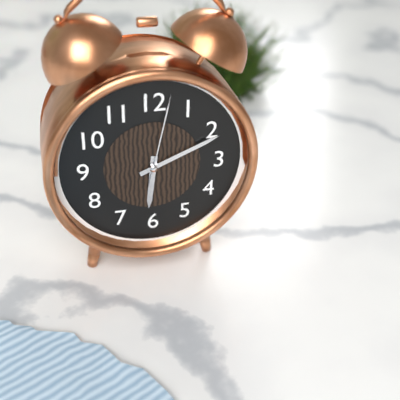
6:11:02
